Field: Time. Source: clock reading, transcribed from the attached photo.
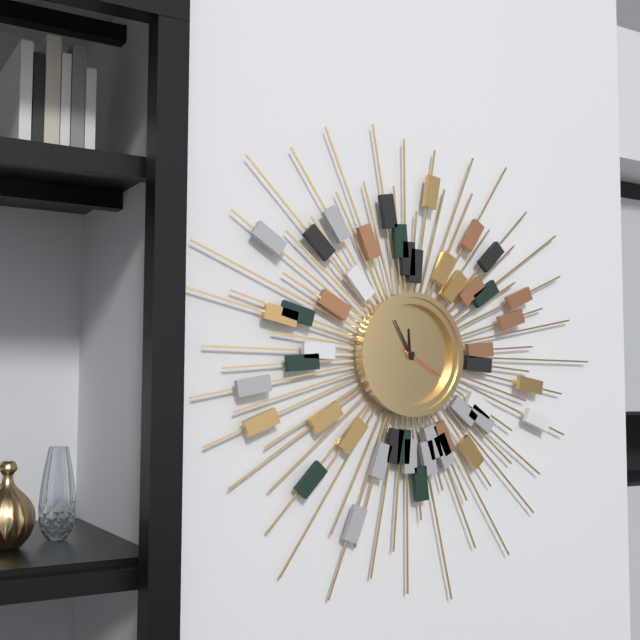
11:55
